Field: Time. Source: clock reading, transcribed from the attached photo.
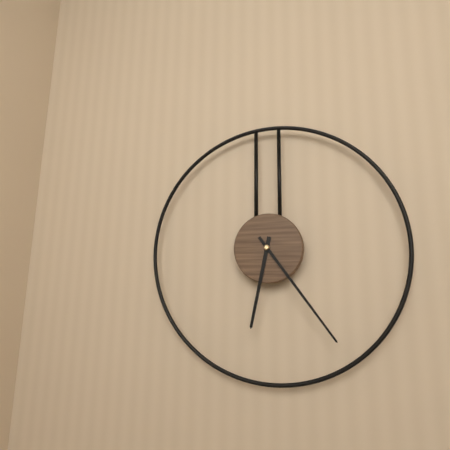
6:24
